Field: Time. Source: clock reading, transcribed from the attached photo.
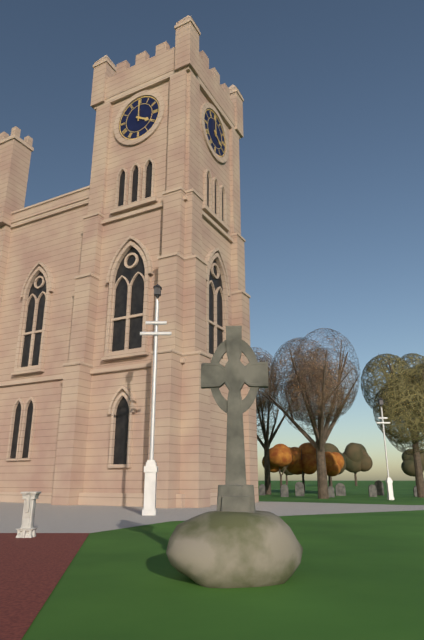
4:00
